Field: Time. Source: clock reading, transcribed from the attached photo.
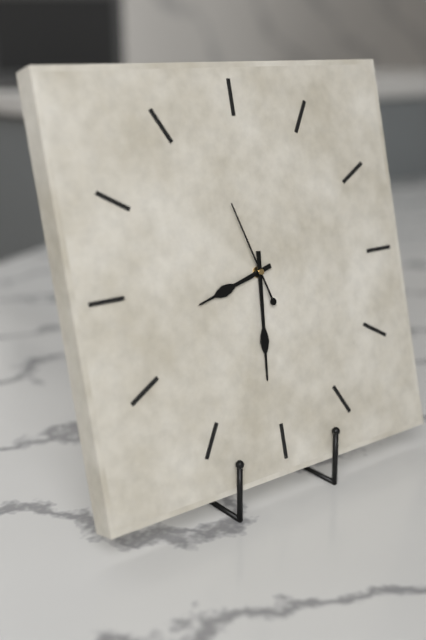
8:31:57
